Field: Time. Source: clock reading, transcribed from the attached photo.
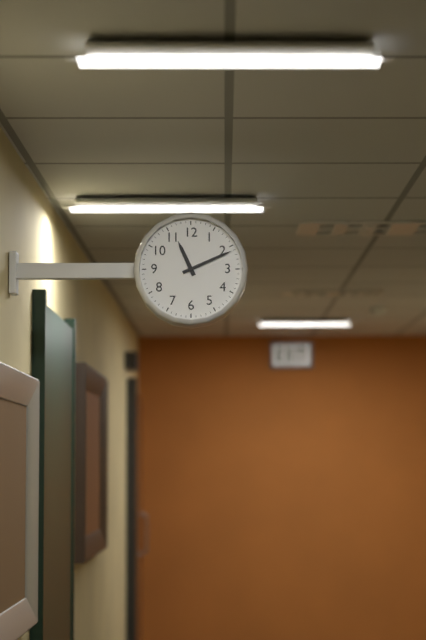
11:11
